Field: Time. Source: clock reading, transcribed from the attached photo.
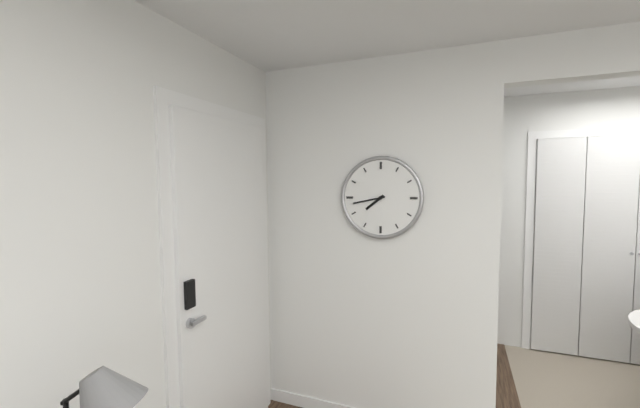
7:43
